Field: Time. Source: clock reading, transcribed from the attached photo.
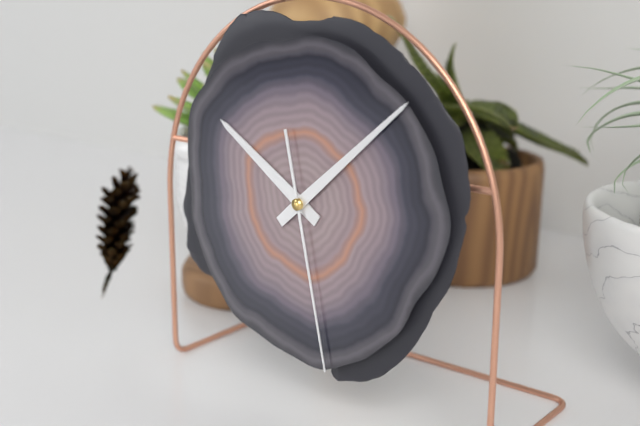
10:08:28
